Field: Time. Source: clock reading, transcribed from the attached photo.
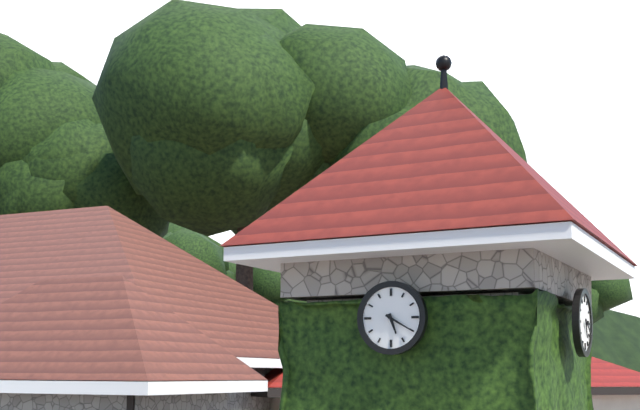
5:20
